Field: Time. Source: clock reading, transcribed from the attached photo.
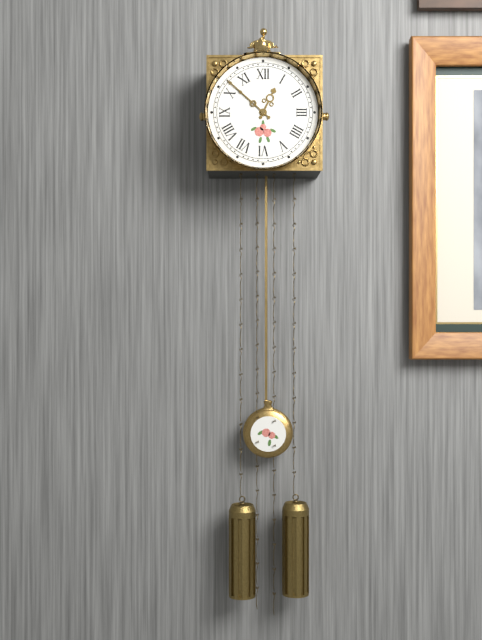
12:52
